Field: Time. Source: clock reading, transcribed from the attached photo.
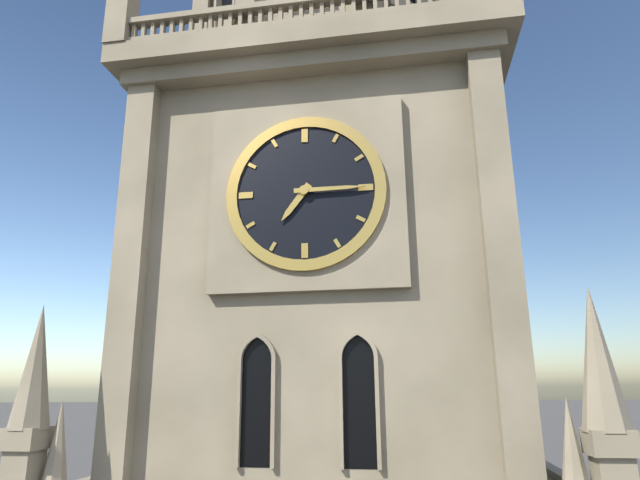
7:15
